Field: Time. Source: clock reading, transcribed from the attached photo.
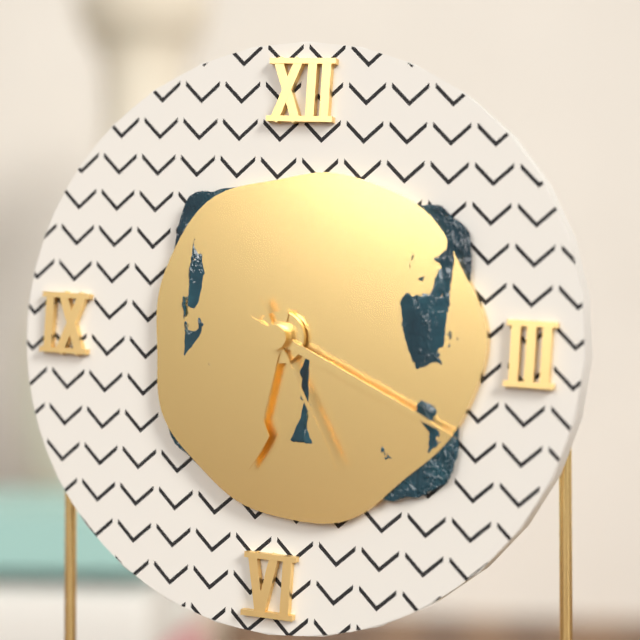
6:19:25
